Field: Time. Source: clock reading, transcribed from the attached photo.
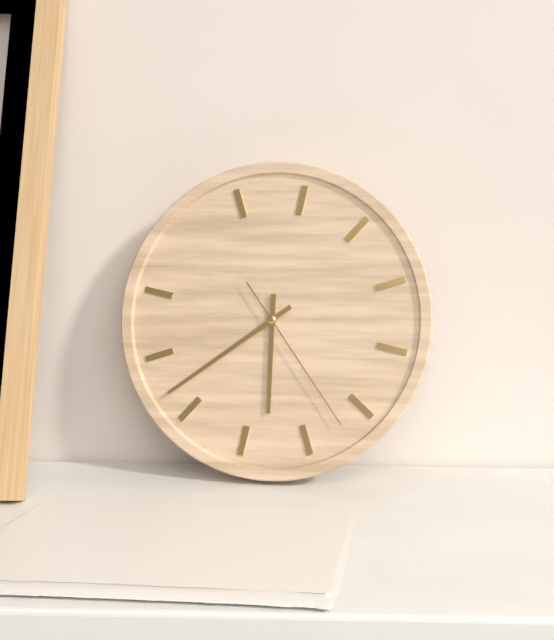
5:37:22
